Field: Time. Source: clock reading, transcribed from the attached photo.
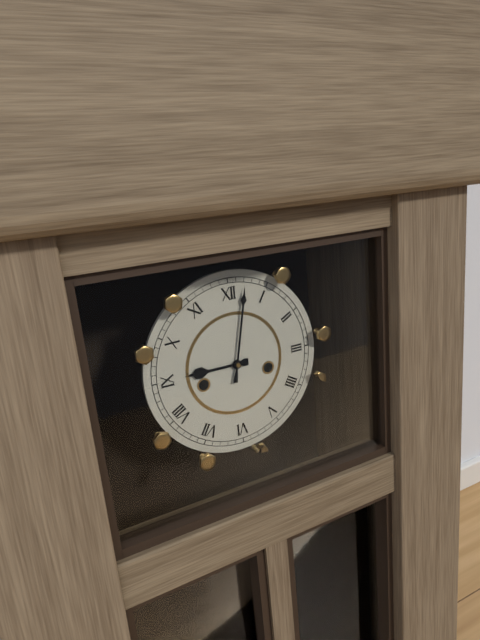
9:02
